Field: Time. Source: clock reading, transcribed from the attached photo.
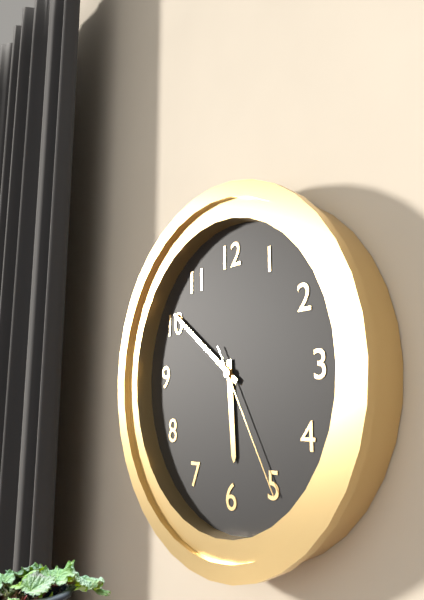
5:51:25
